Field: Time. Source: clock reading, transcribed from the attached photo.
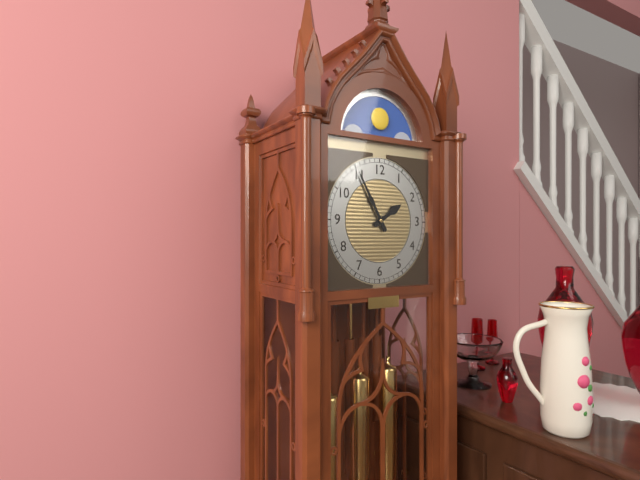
1:55
